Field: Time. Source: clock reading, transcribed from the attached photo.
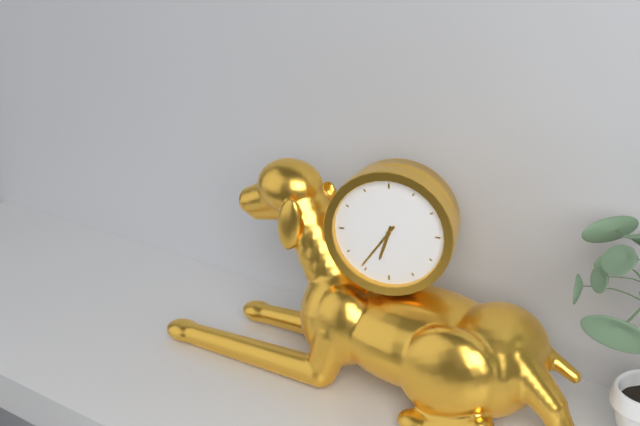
6:36
